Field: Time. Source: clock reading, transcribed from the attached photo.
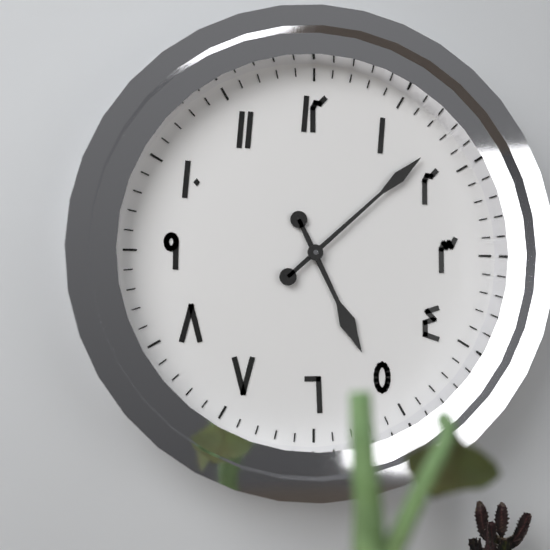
5:08
